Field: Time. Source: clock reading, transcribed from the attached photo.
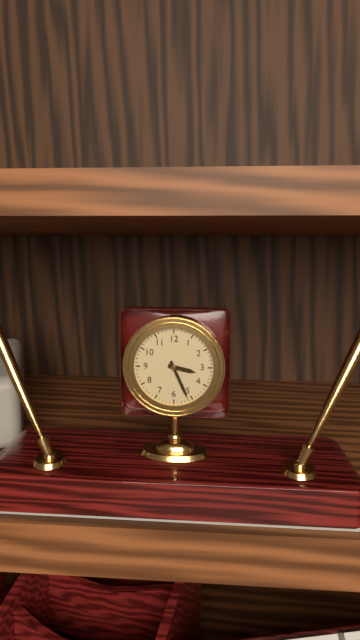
3:26
